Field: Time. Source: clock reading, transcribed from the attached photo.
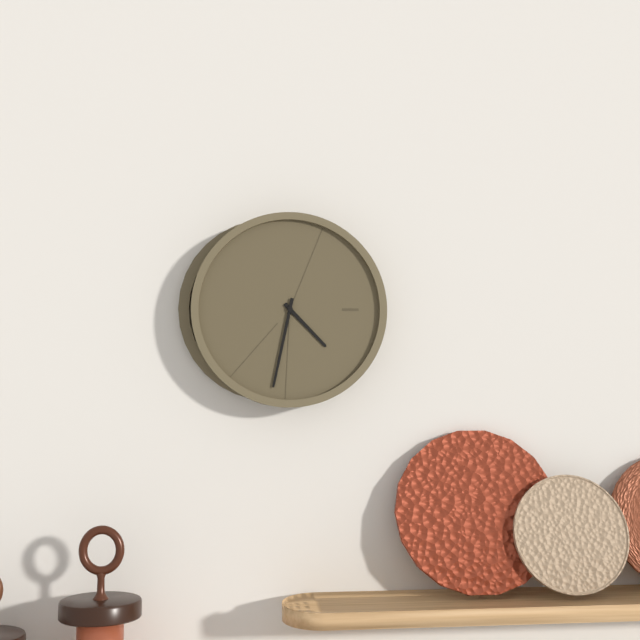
4:32
